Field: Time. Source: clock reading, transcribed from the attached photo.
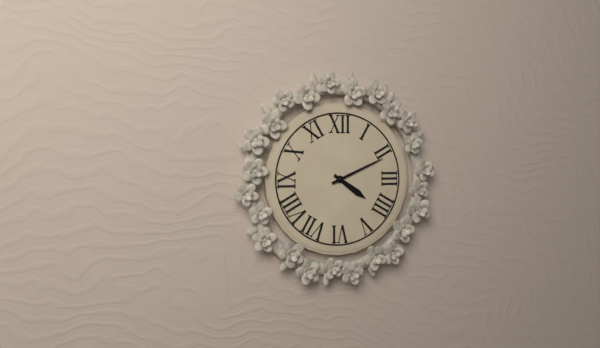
4:11
